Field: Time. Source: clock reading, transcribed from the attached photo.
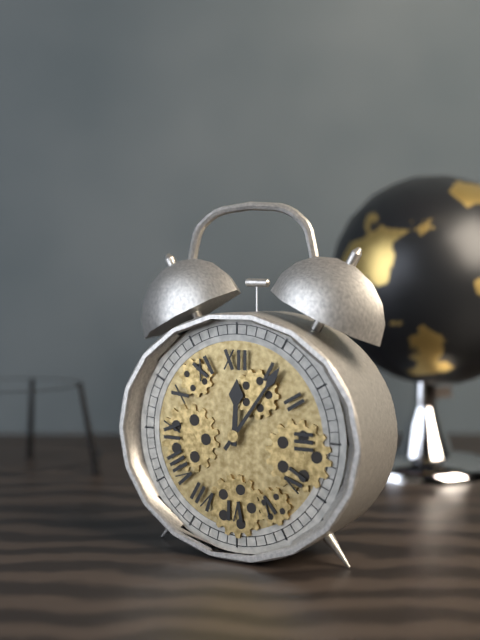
12:06
